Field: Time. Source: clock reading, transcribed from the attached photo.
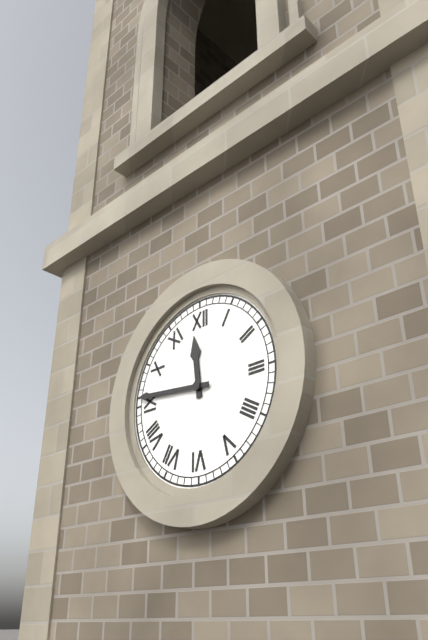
11:46
